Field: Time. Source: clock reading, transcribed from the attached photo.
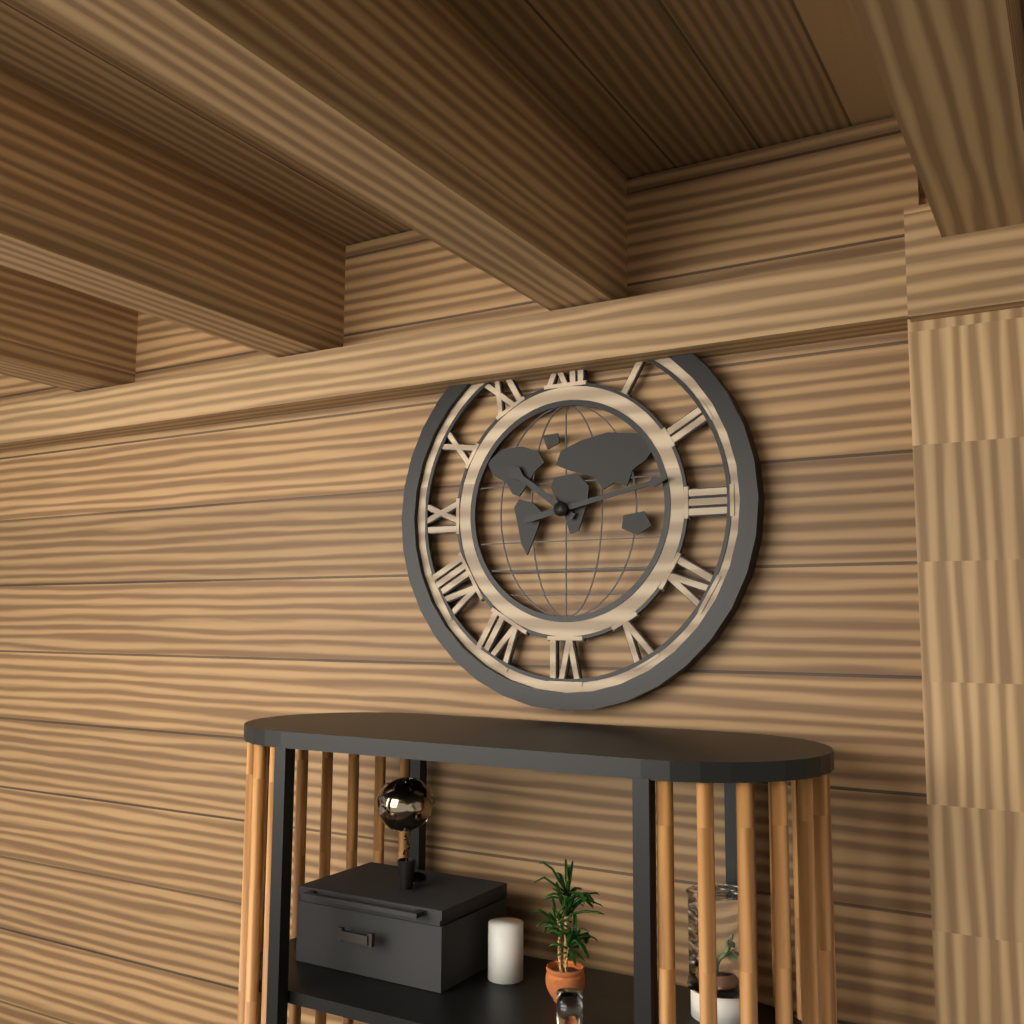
10:13
